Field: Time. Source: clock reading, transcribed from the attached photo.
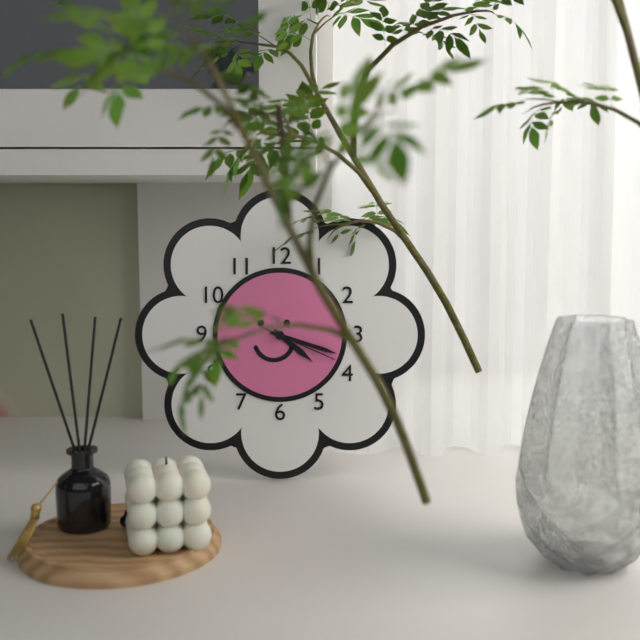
4:18:19
